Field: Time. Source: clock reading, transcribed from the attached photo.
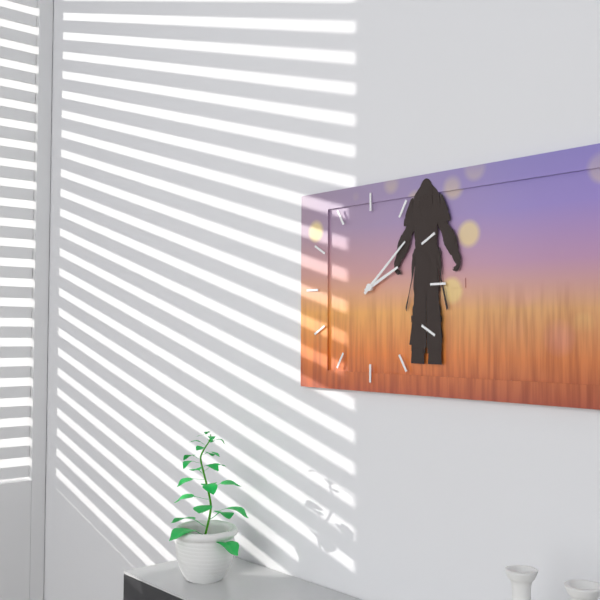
2:08
